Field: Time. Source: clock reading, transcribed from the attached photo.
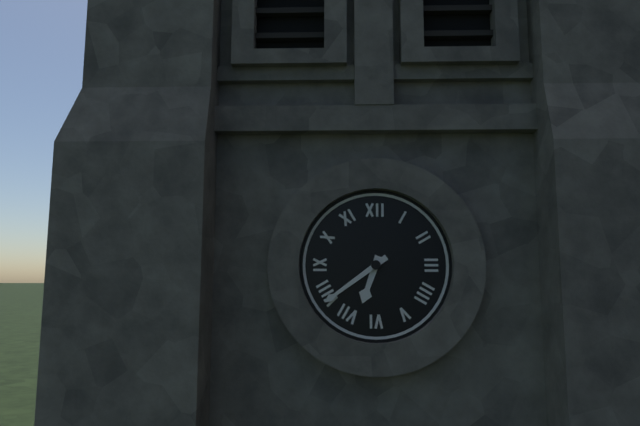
6:39
